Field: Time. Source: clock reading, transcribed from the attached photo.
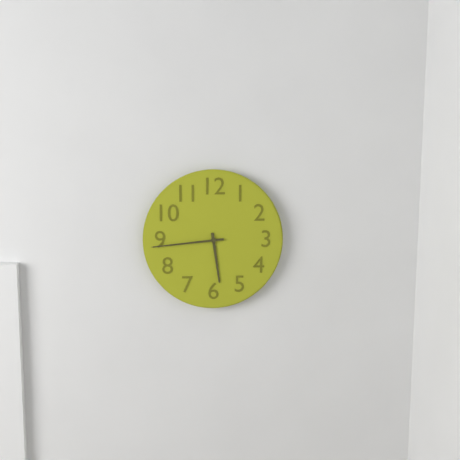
5:44
